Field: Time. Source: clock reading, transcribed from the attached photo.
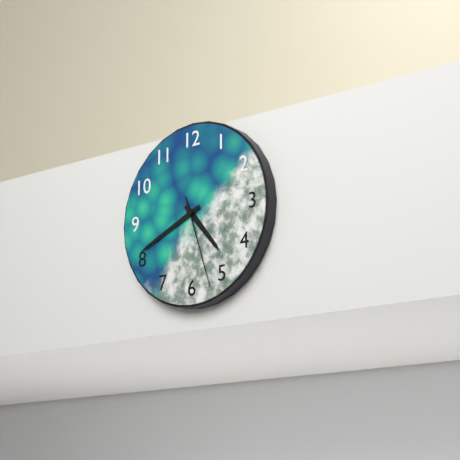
4:41:27
